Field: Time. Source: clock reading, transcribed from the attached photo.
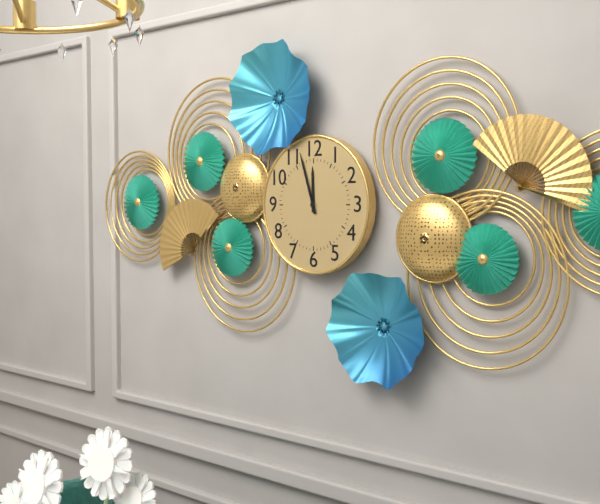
11:57
